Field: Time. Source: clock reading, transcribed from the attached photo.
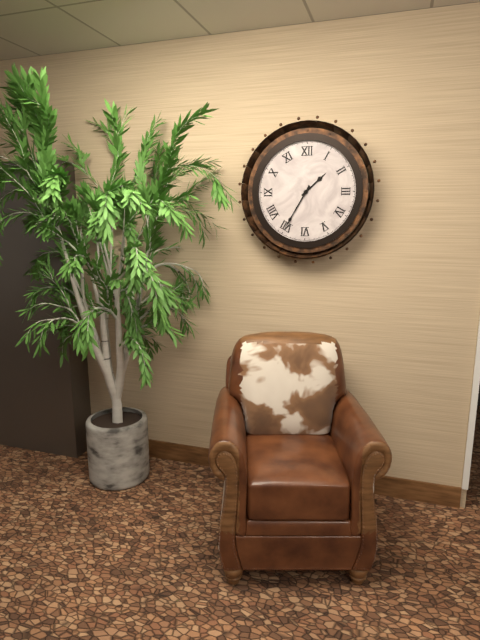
1:35
